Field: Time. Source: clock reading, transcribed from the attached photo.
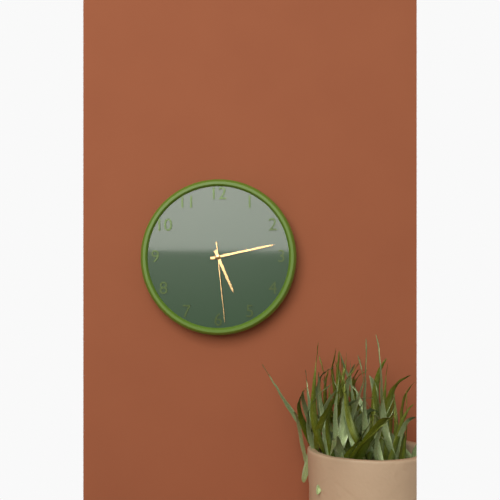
5:13:29
